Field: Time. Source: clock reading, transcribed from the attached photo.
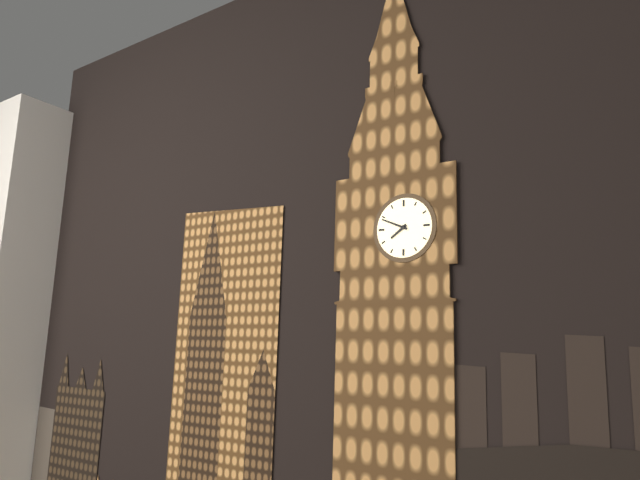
7:49
